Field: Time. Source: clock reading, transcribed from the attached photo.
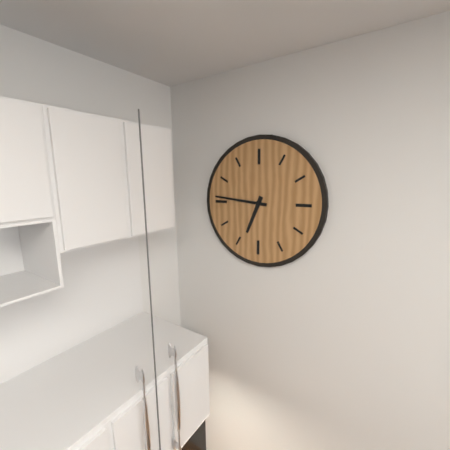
6:46
